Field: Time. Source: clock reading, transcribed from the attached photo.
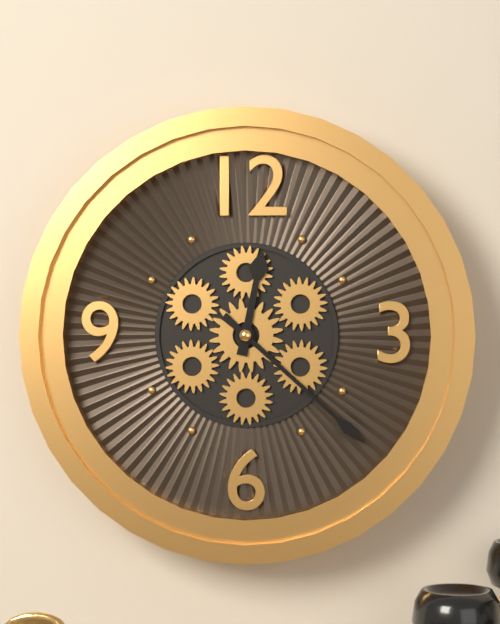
12:22
